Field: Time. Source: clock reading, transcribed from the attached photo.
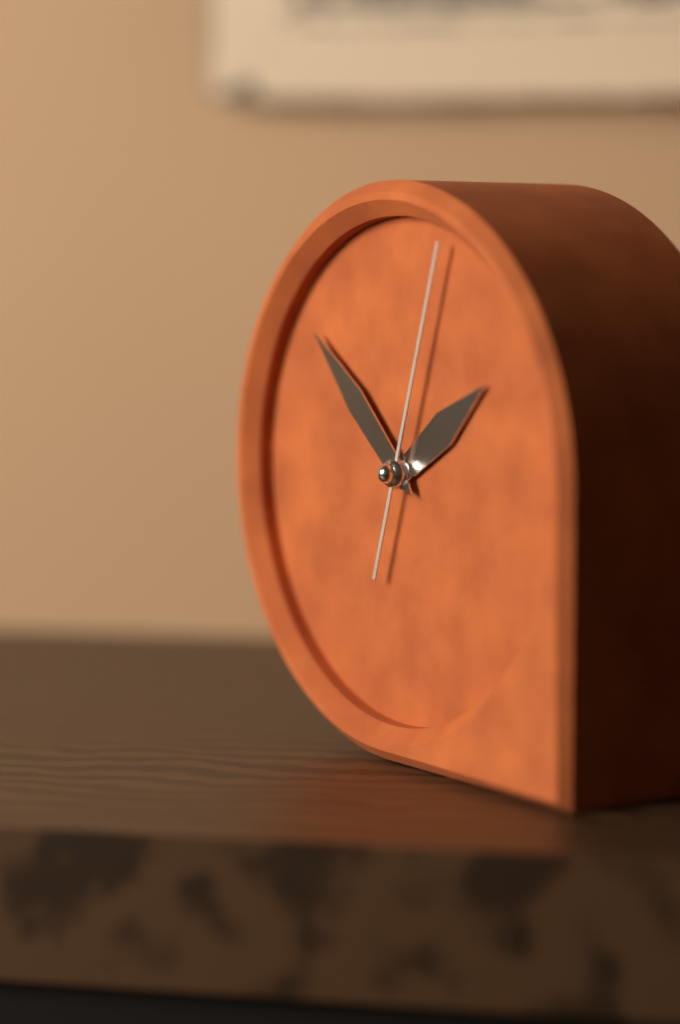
1:52:03
